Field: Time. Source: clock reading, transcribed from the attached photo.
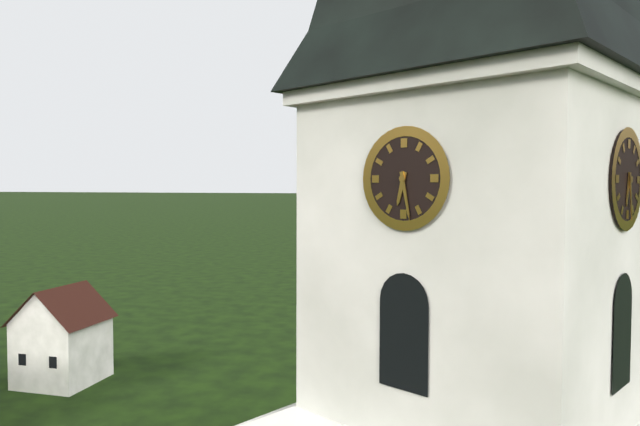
6:28
